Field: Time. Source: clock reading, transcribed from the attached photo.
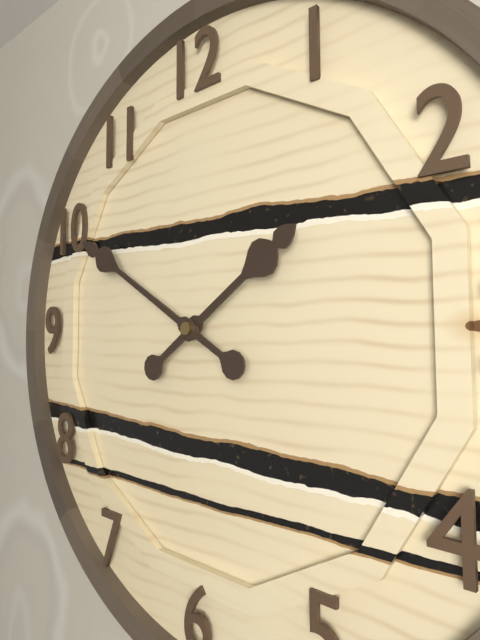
1:50
